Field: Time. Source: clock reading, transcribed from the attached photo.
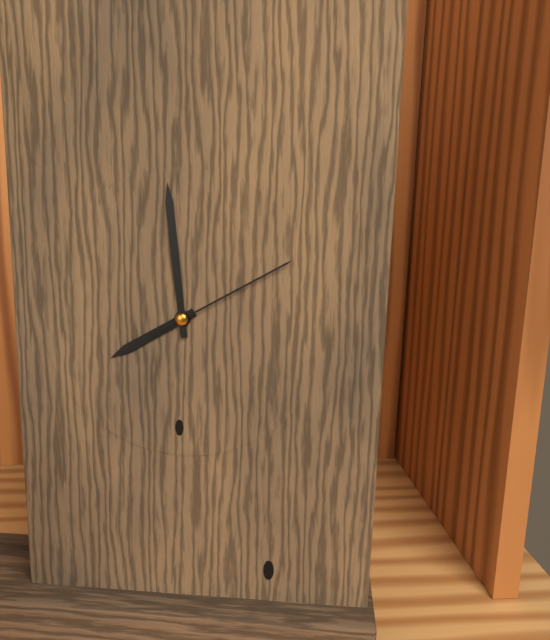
7:59:10
